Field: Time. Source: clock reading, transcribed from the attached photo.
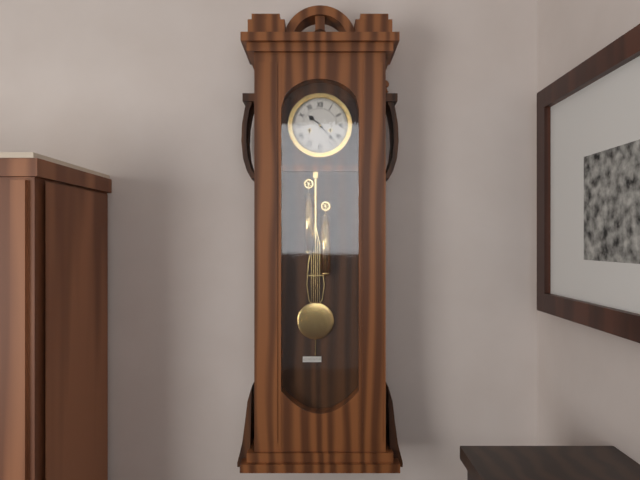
10:23
